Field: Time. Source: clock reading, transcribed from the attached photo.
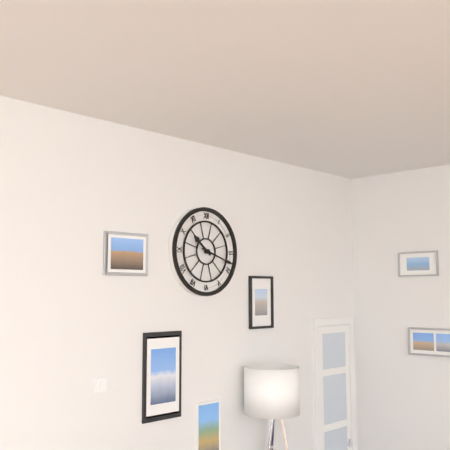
10:18
